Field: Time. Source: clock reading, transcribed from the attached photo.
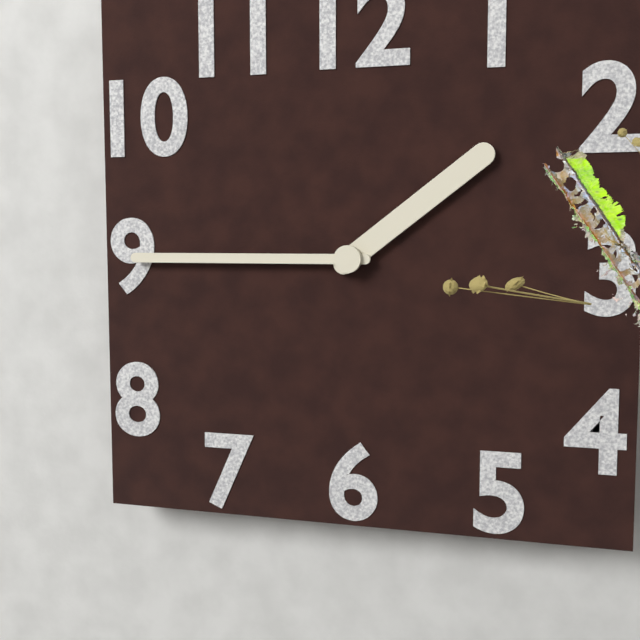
1:45
